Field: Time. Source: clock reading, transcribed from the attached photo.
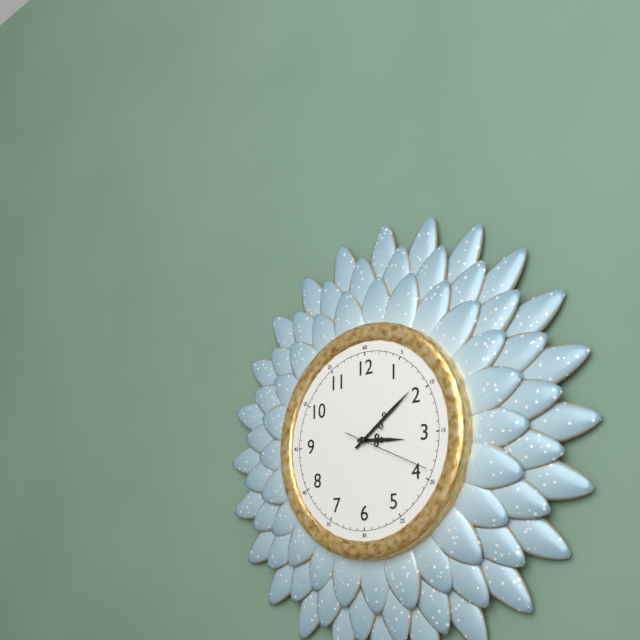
3:09:19
